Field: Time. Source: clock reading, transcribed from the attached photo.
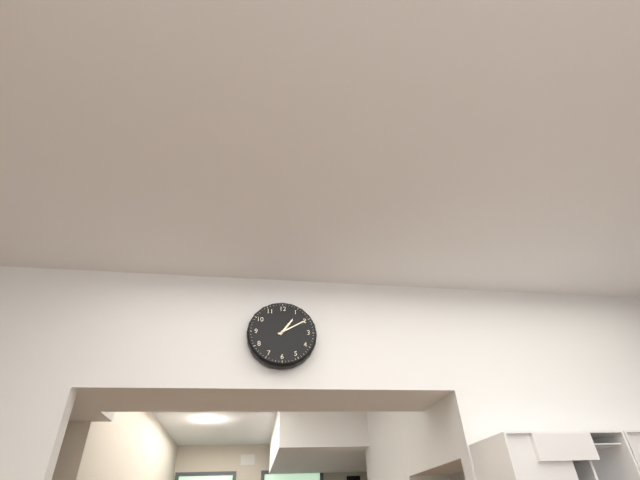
1:10
